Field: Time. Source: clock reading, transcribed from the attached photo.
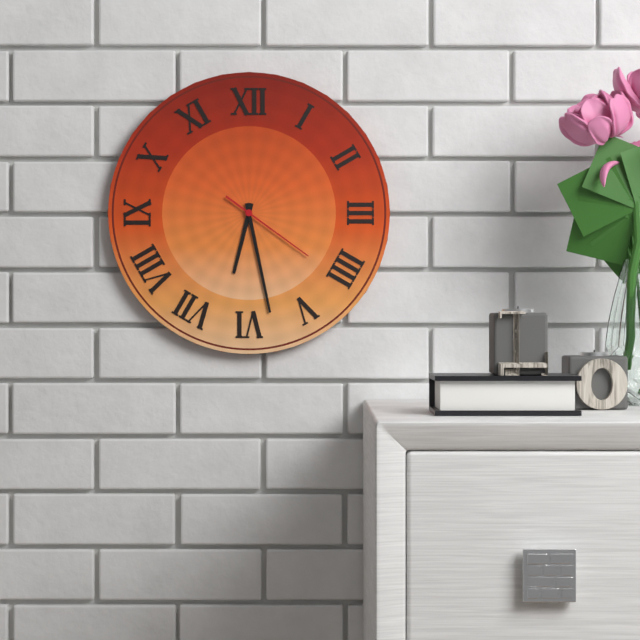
6:28:21
